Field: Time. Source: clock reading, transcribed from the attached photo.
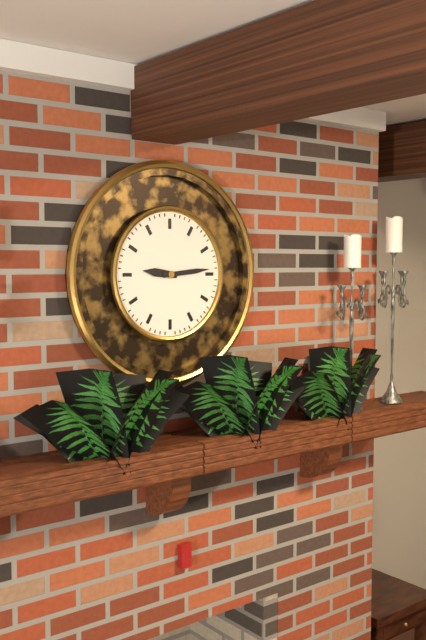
9:14
